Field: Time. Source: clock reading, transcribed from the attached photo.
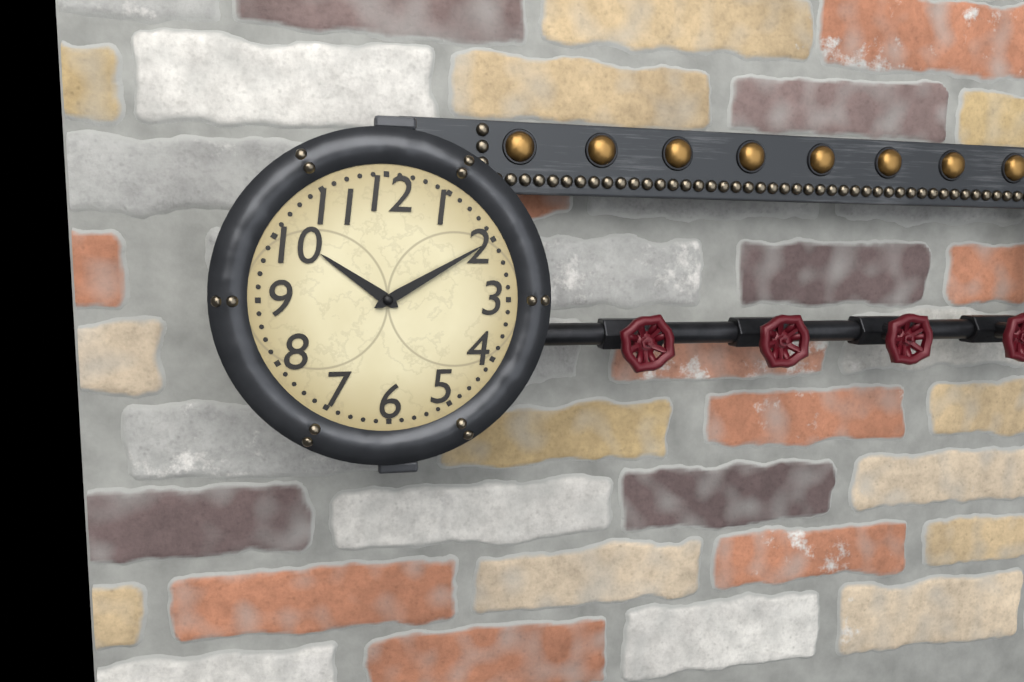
10:10
